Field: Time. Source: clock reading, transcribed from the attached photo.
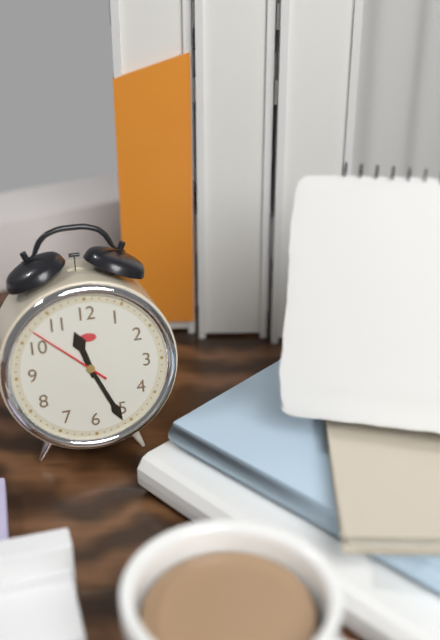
11:26:52
